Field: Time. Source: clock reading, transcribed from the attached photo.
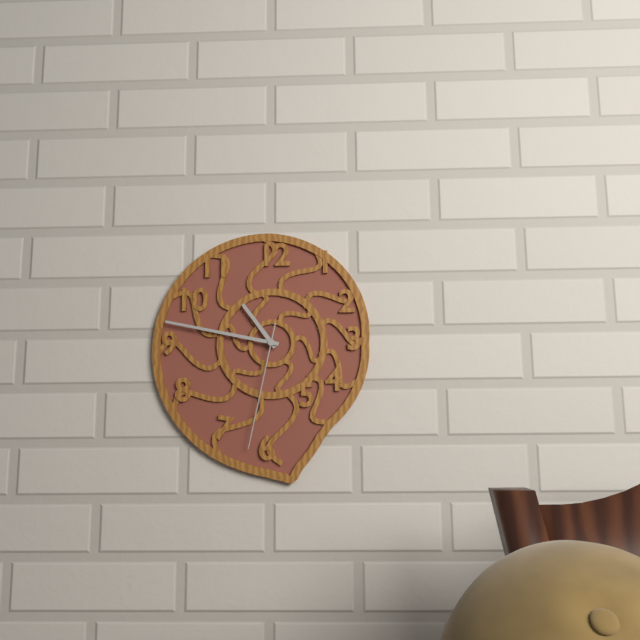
10:47:32
